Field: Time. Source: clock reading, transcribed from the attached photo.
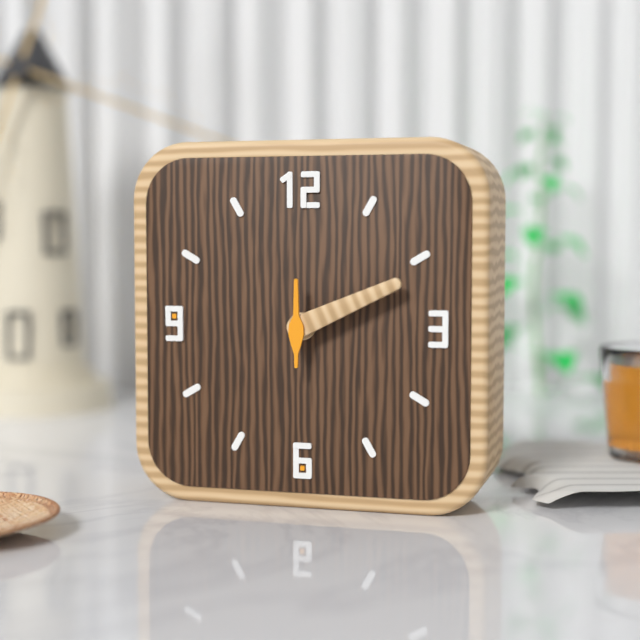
2:11:00
